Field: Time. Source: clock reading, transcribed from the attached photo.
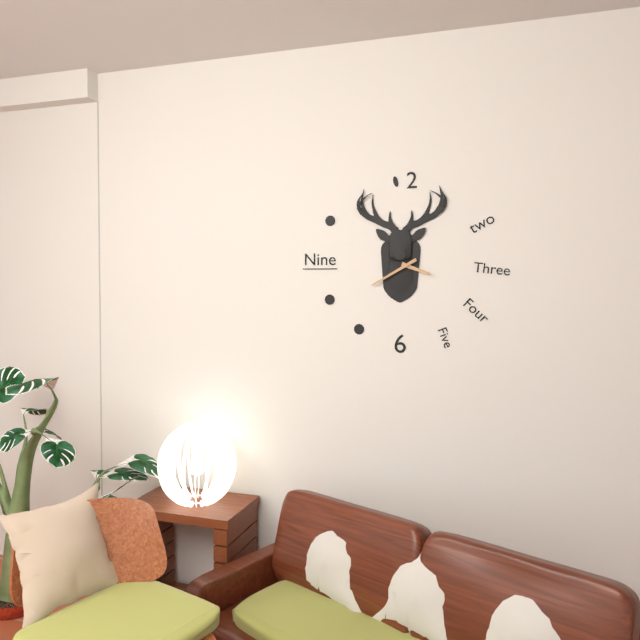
3:40
